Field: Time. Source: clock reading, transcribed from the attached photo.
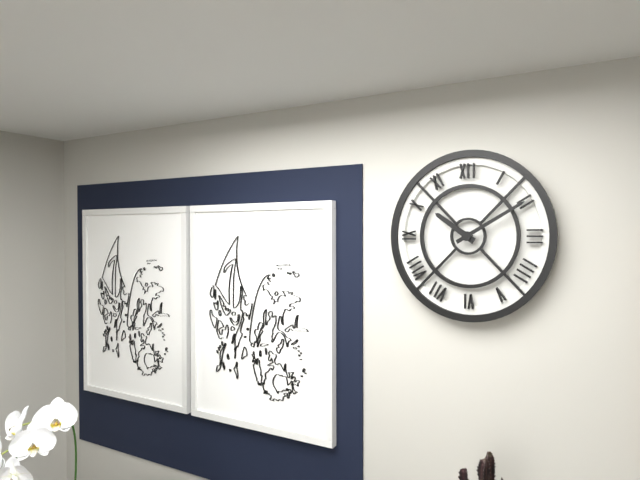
10:10
